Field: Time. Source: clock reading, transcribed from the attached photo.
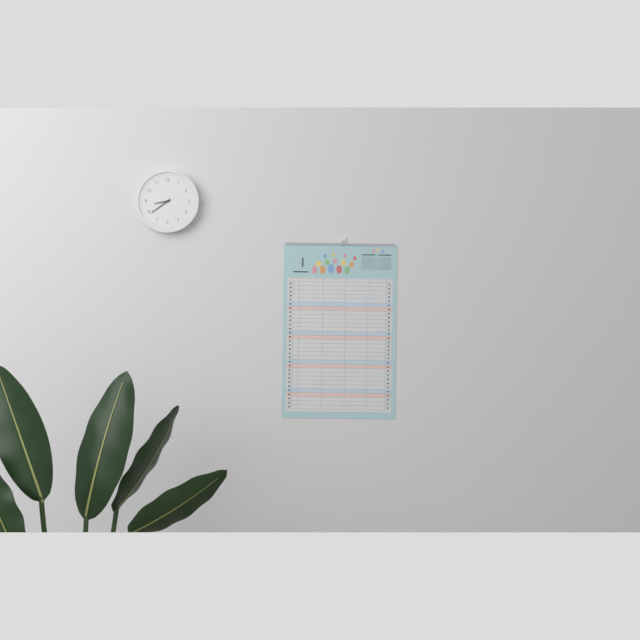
8:39
